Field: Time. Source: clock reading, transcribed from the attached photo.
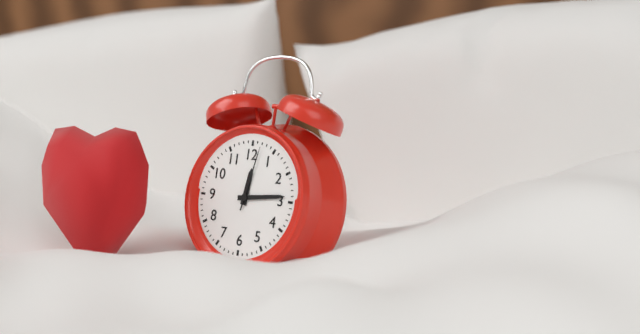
12:14:02
